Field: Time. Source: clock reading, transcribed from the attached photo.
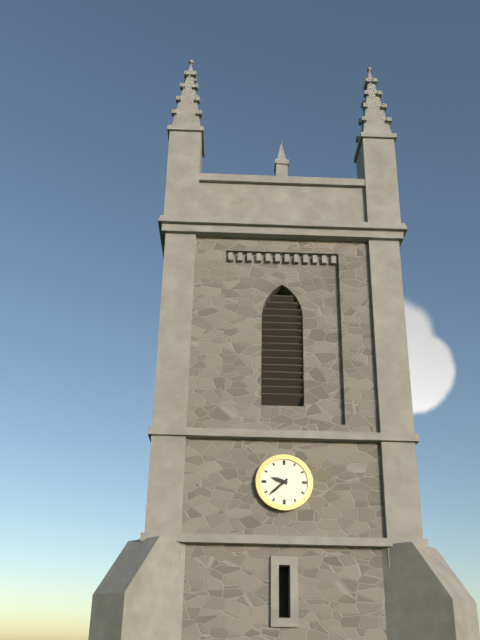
9:38
